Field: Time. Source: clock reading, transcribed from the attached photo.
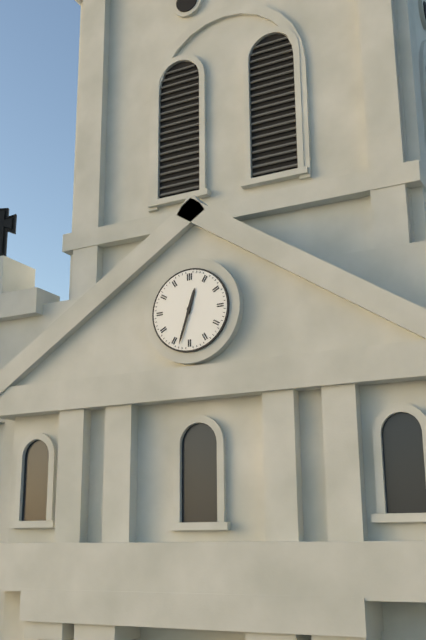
12:33
